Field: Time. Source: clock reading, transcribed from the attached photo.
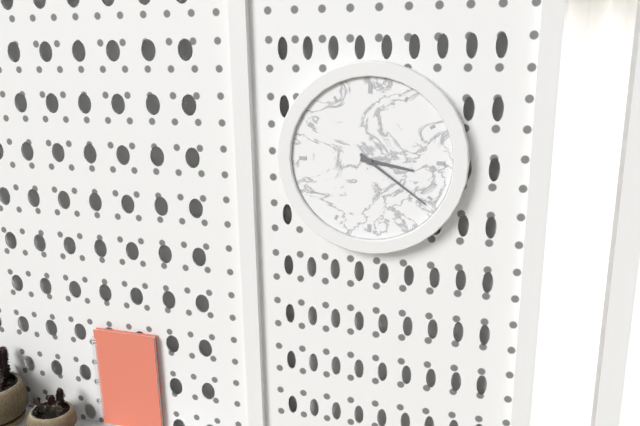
3:21
